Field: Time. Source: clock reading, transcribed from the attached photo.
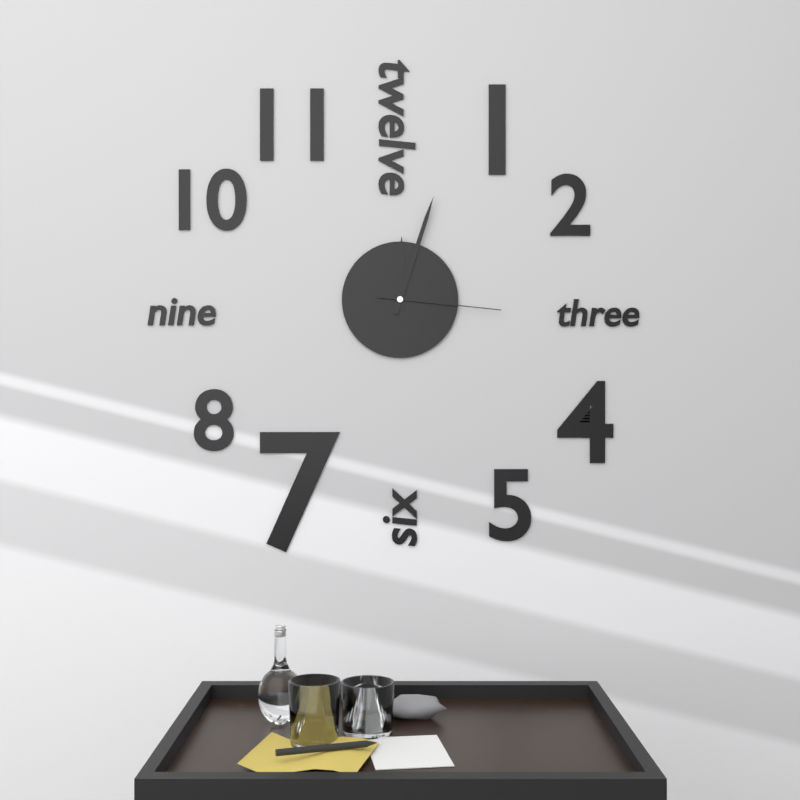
12:03:16
